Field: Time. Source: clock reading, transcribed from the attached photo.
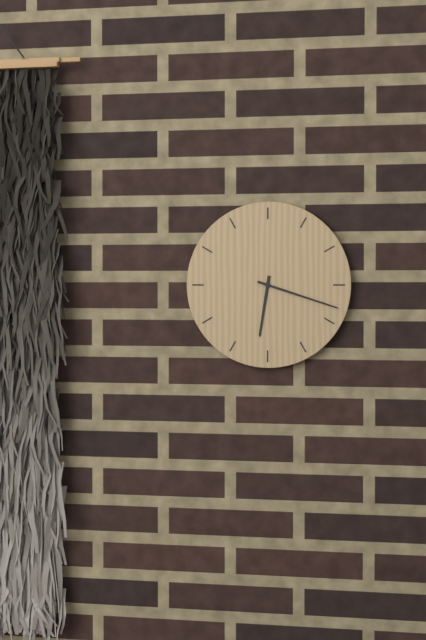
6:18
